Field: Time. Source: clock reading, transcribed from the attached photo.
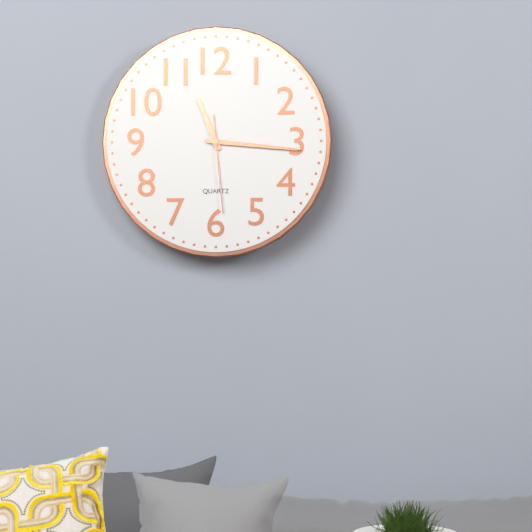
11:16:29
